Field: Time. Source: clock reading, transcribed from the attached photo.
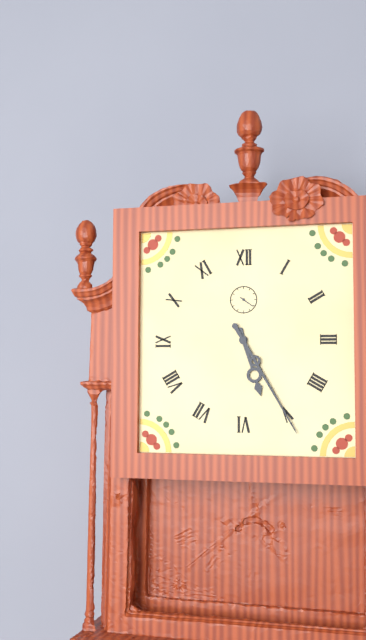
5:25
